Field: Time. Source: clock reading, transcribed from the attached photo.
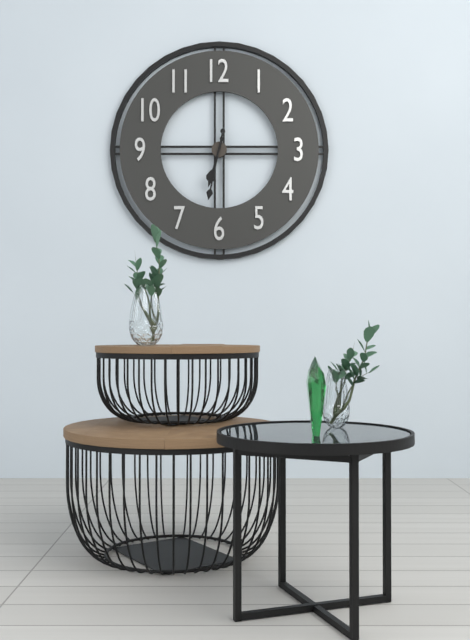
6:32
